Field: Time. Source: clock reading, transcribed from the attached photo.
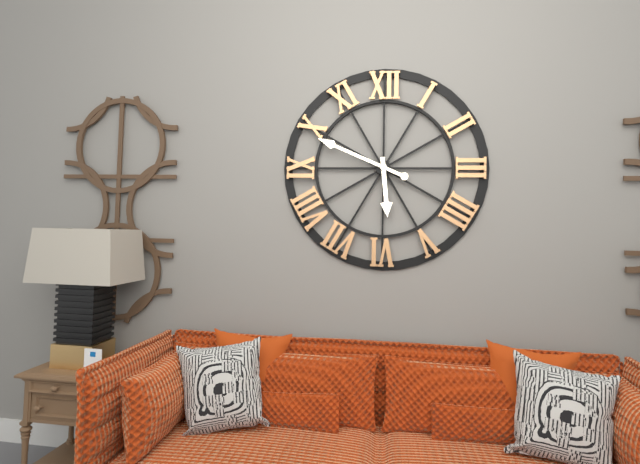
5:49
